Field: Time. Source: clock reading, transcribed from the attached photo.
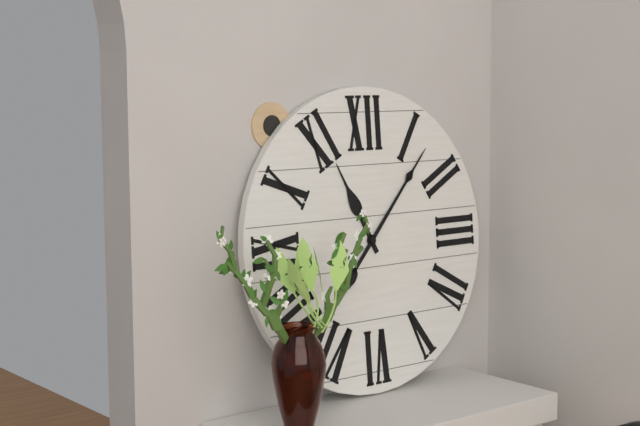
11:07
